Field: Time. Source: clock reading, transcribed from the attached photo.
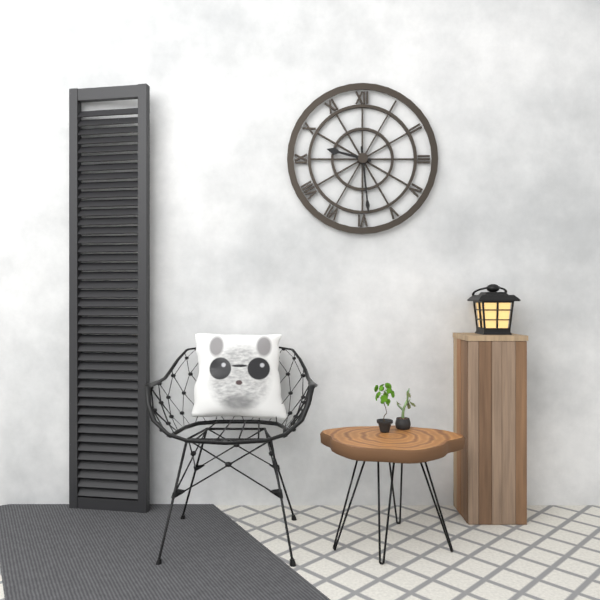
9:29
